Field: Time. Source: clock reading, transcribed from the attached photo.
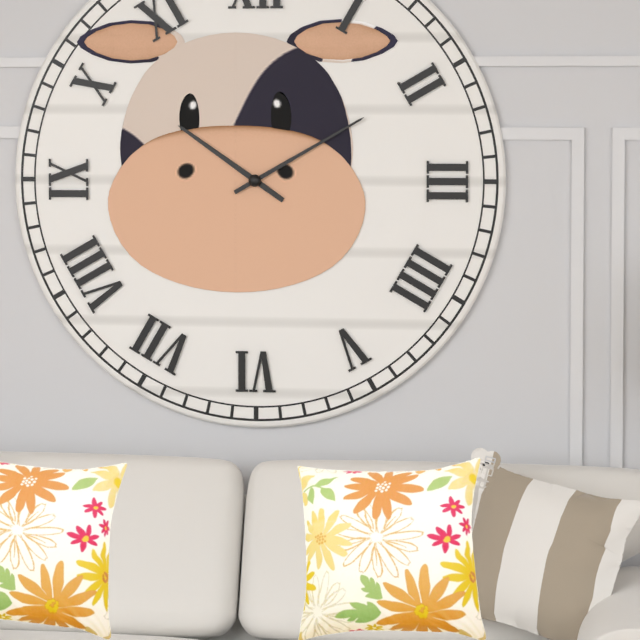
10:10
